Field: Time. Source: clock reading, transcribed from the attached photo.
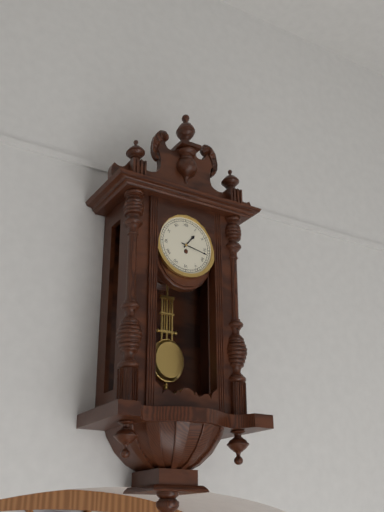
1:17
